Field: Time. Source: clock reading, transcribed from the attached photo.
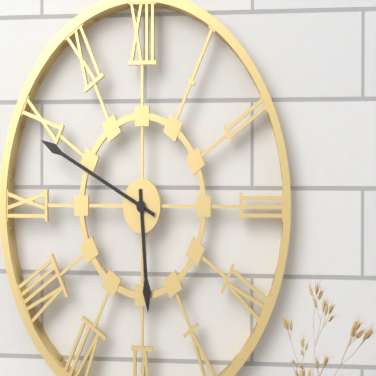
5:49
